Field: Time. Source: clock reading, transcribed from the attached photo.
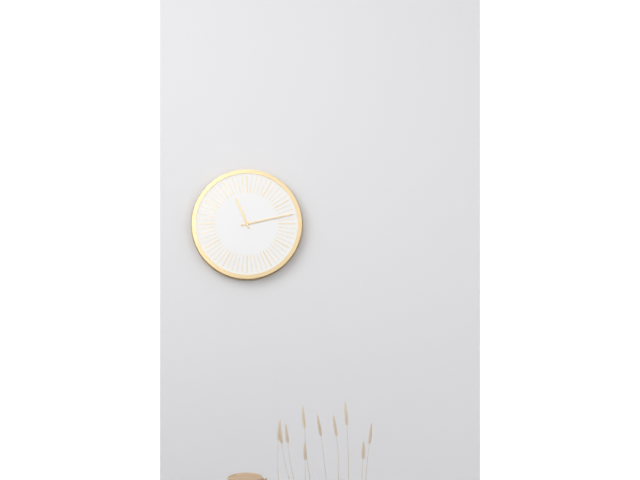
11:13
